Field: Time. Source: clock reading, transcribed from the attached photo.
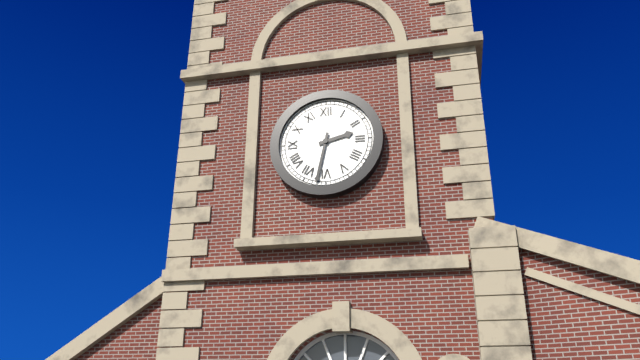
2:32
